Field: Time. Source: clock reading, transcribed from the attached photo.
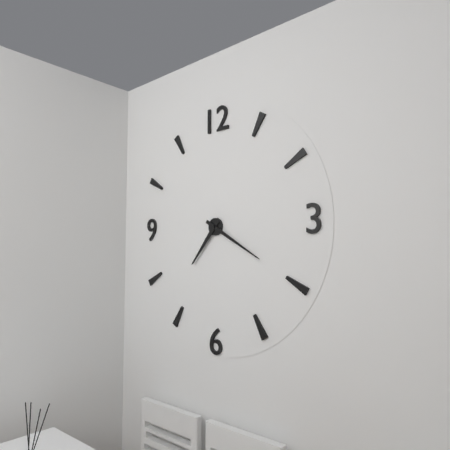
7:20
